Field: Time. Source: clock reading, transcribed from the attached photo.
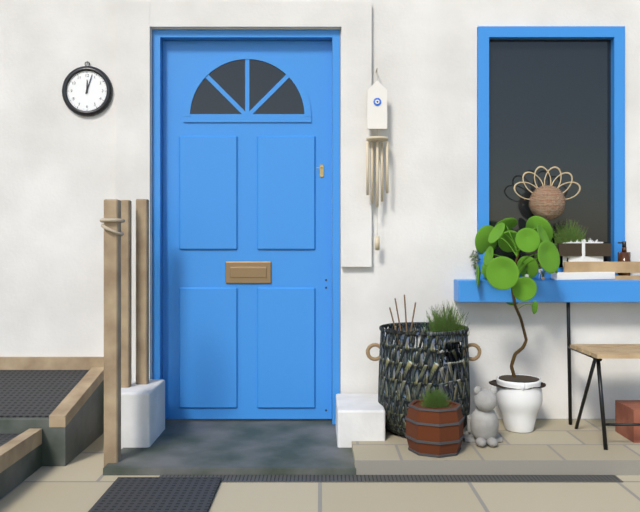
12:03
